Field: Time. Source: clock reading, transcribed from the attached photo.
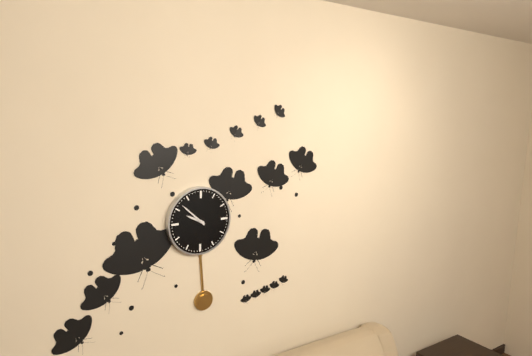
9:52
